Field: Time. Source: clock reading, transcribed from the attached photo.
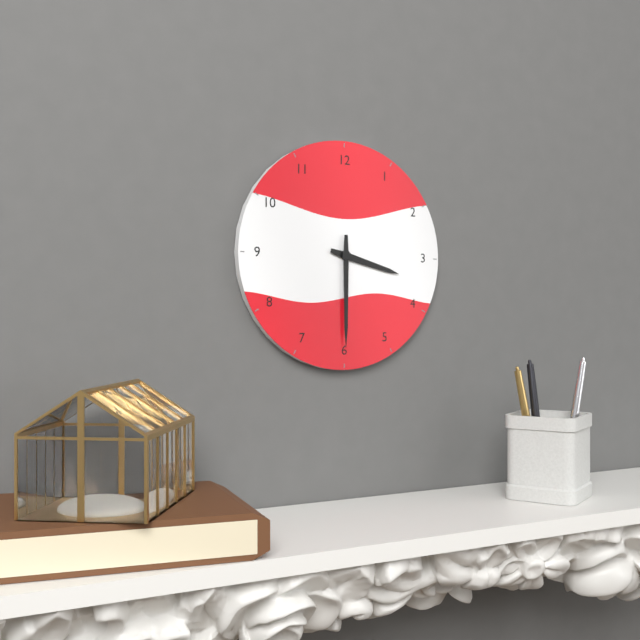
3:30
